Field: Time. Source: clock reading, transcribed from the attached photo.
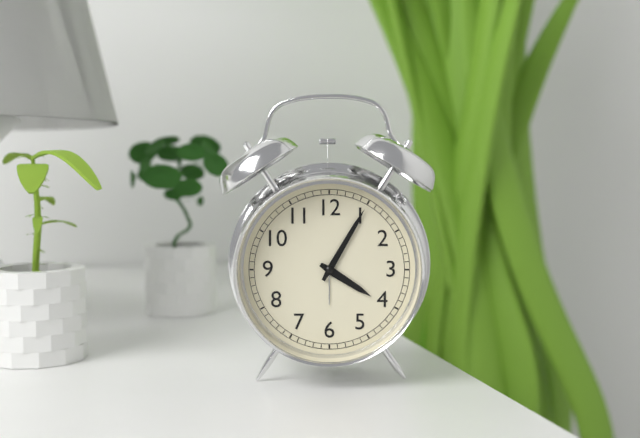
4:05
